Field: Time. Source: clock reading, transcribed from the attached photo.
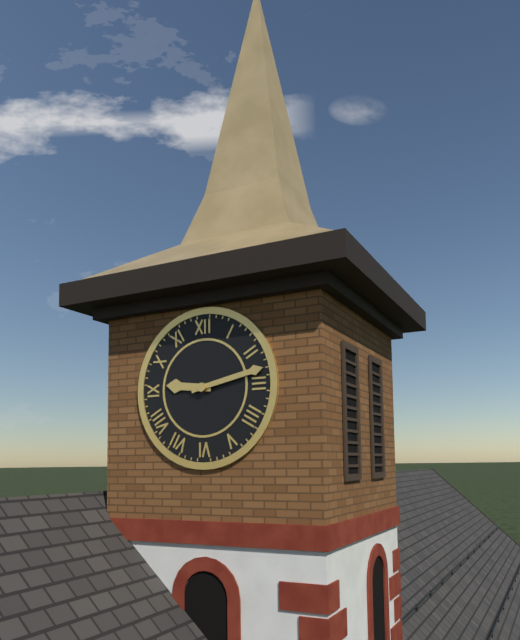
9:13
